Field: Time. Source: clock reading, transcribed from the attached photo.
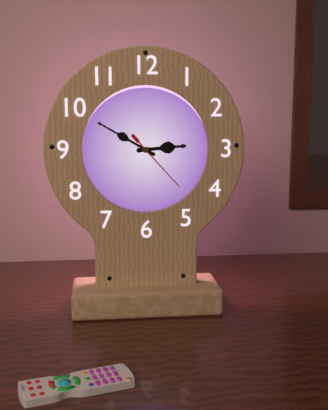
2:50:23
